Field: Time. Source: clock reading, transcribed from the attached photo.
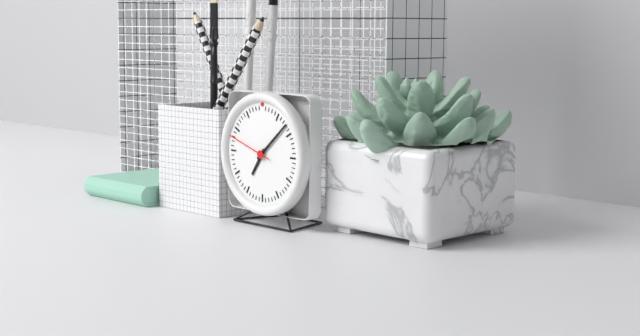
7:08
